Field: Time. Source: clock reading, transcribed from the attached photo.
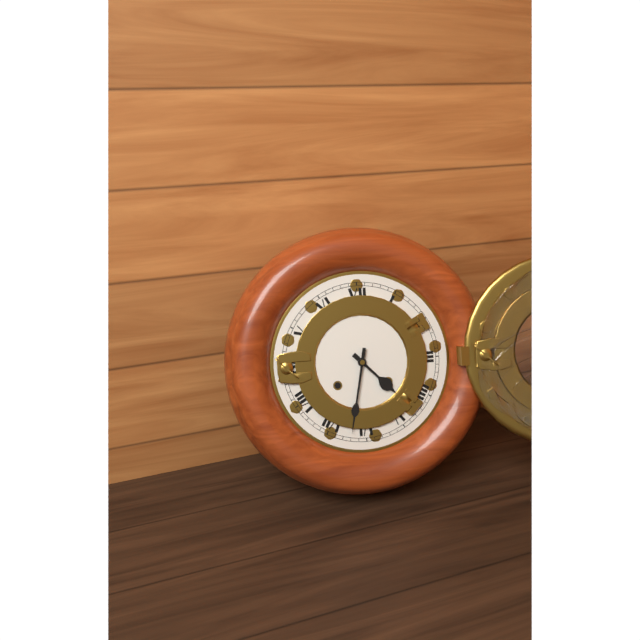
4:32
